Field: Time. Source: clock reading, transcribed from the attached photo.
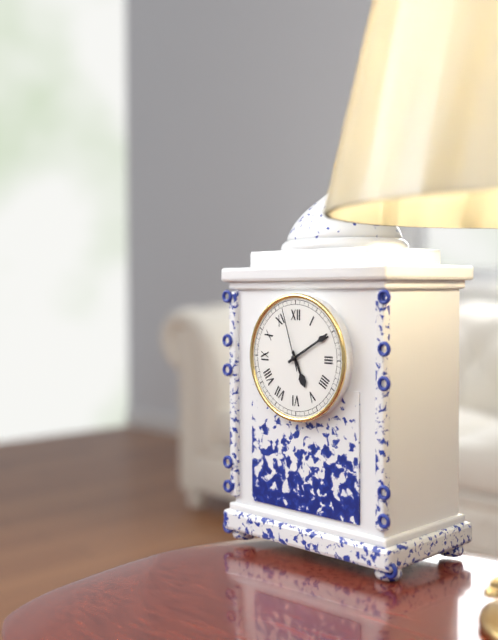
5:10:57
